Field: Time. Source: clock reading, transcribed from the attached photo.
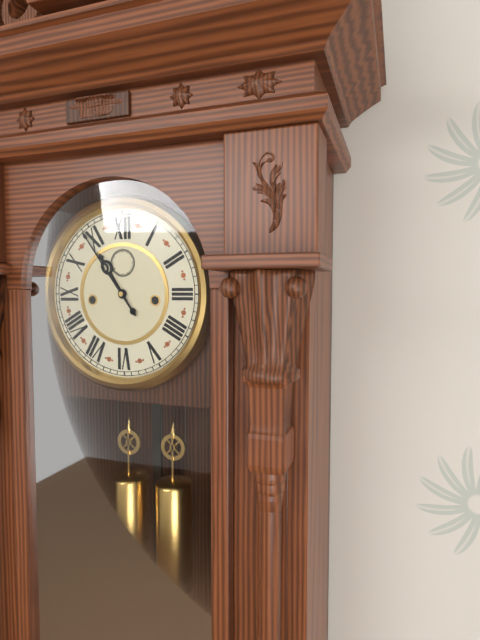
10:54
